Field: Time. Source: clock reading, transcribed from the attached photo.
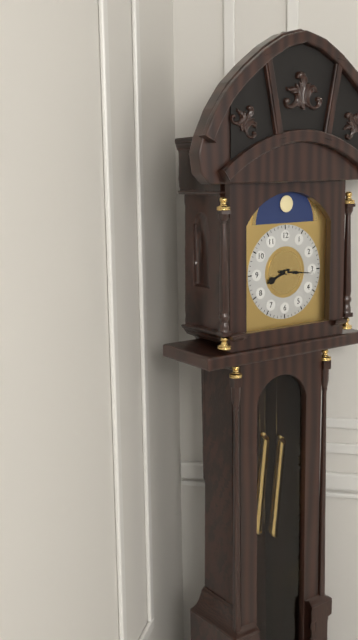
8:16
